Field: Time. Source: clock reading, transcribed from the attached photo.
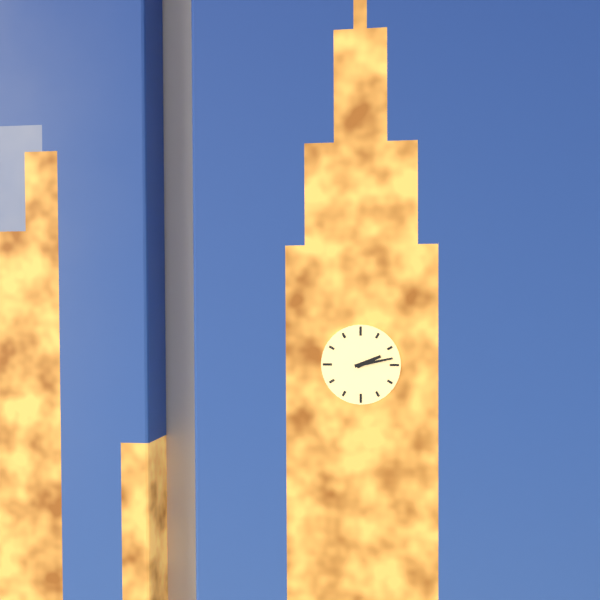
2:13
